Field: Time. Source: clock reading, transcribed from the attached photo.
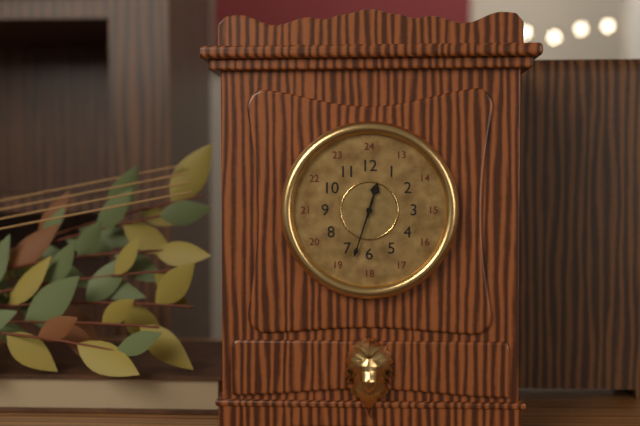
12:33
